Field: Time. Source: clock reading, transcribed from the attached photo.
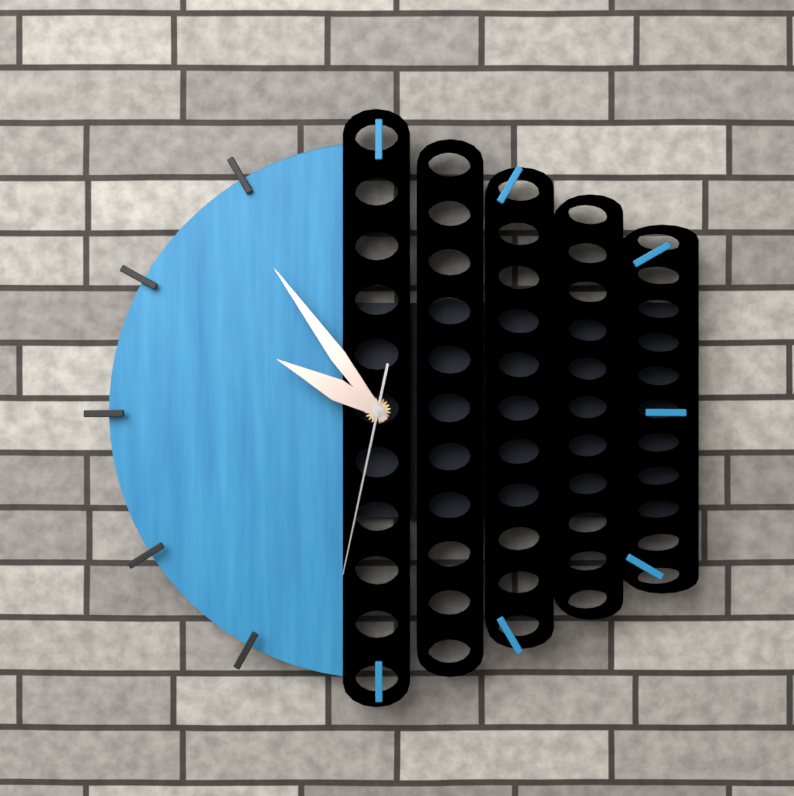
9:54:32
